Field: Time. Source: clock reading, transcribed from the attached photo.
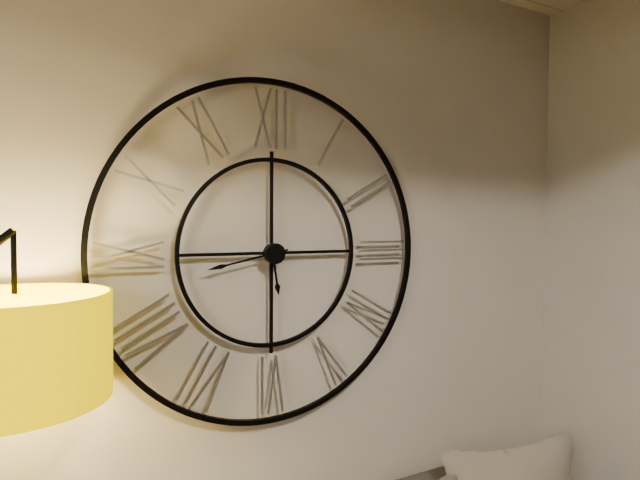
5:43
